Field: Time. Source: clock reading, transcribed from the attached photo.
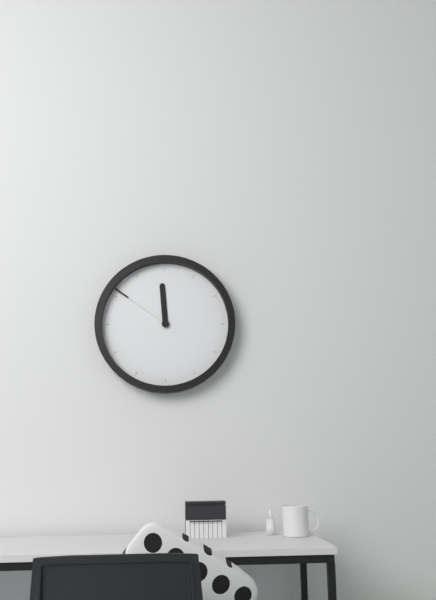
11:51
